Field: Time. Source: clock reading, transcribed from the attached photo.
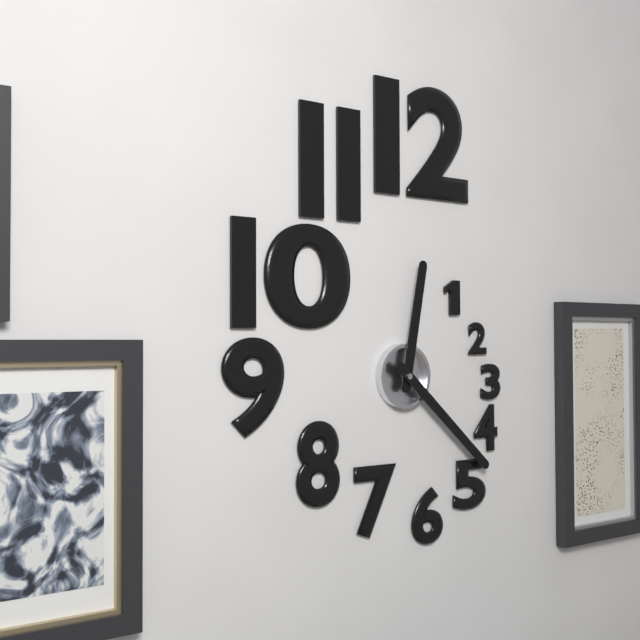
12:22
